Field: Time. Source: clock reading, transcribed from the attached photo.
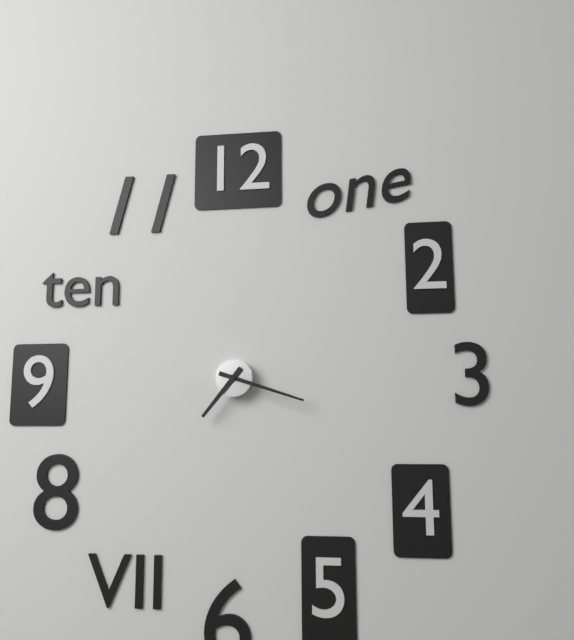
7:18
